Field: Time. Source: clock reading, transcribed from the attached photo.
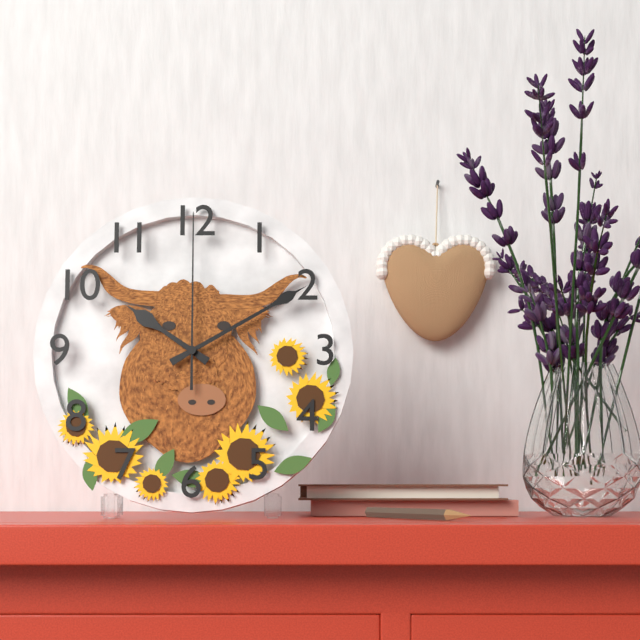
10:10:00
